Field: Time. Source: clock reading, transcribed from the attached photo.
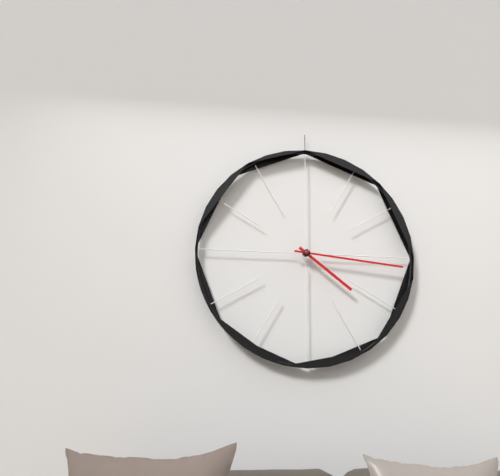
4:16
